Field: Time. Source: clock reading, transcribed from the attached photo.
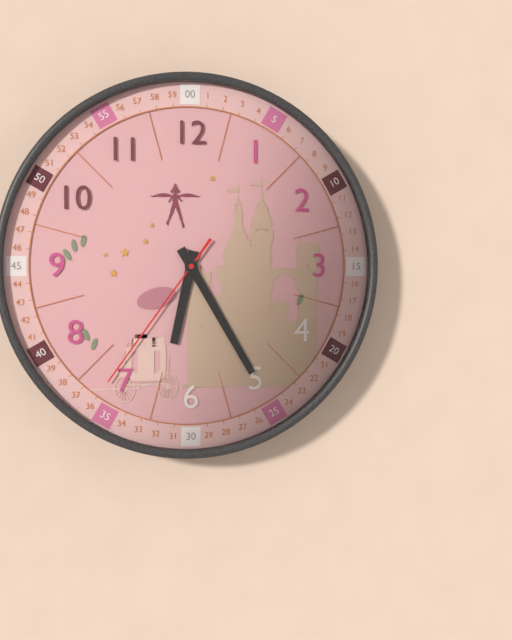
6:25:36
